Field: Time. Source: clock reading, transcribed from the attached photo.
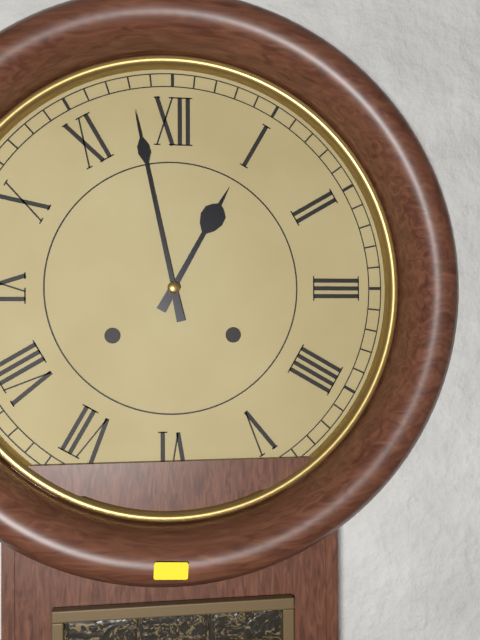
12:58
